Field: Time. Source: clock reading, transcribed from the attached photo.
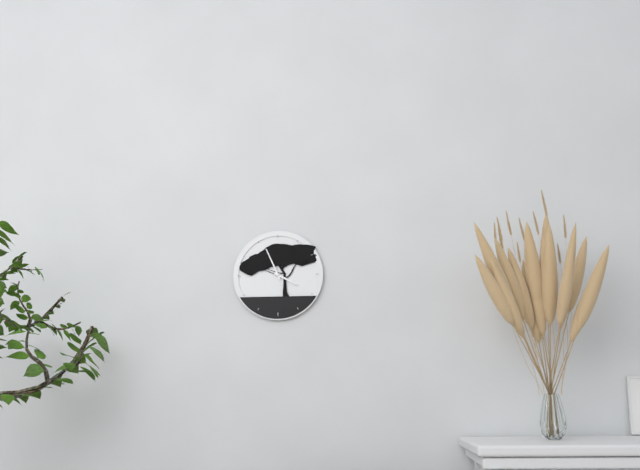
3:56
